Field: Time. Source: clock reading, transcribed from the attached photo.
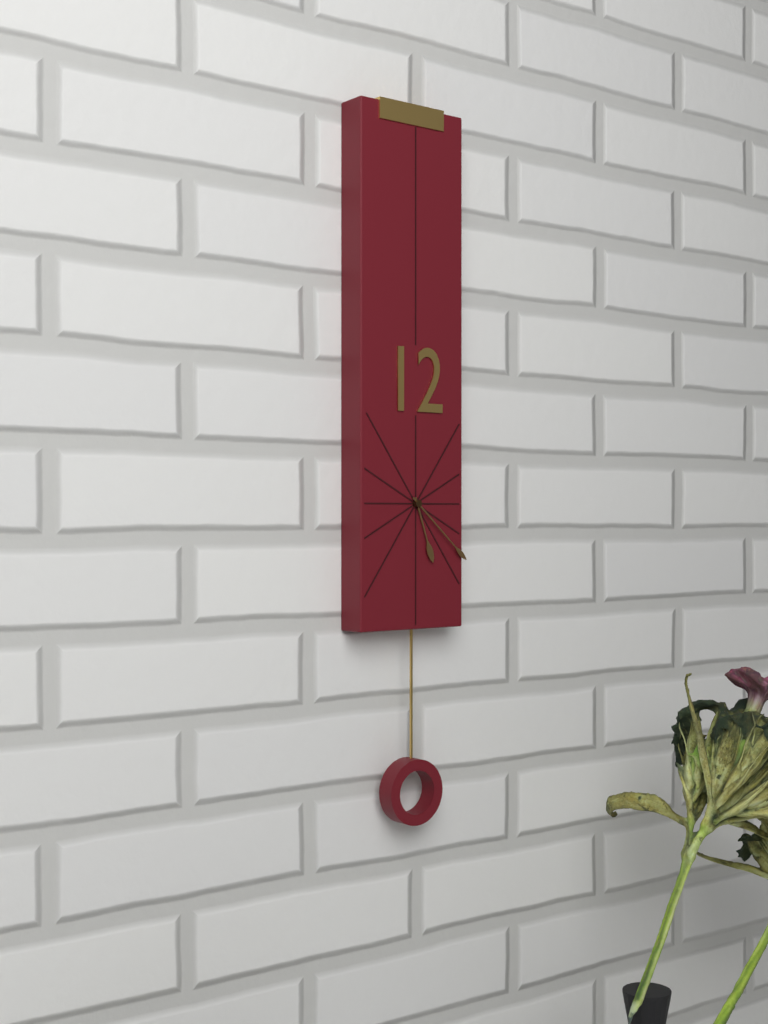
5:22
